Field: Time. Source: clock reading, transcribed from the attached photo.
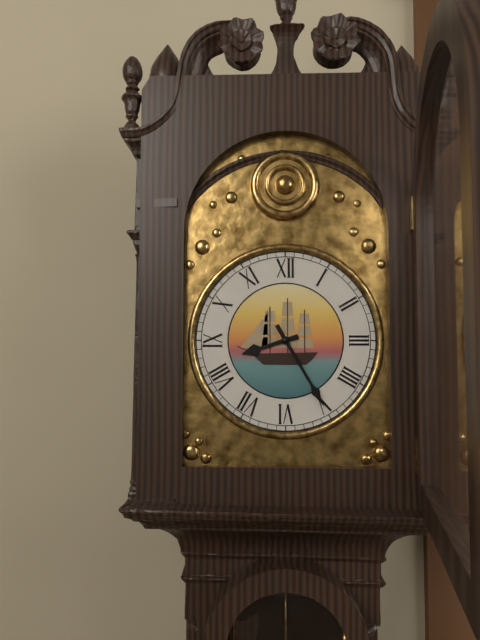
8:25
